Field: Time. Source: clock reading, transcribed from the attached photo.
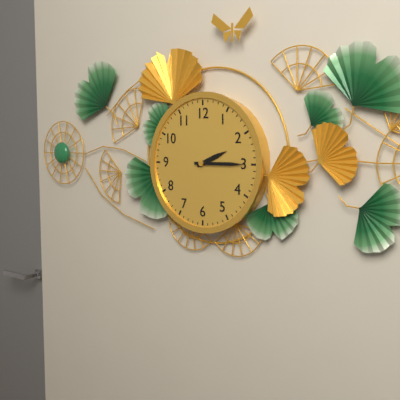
2:15
